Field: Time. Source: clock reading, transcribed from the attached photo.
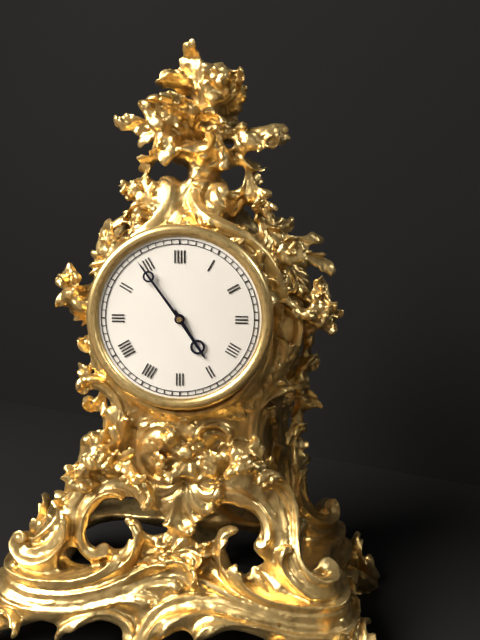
4:54
